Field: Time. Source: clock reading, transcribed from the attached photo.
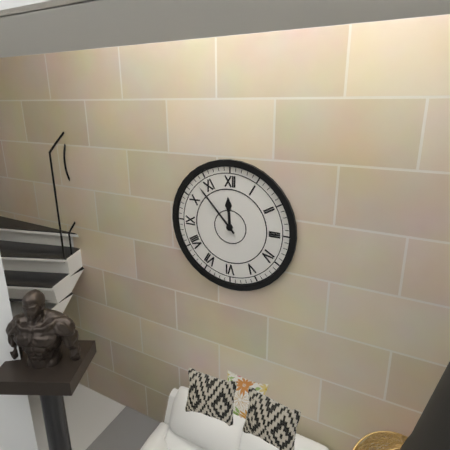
11:53
